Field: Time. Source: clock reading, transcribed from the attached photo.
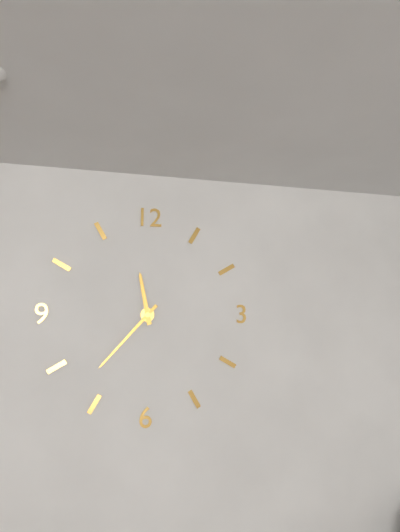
11:37
